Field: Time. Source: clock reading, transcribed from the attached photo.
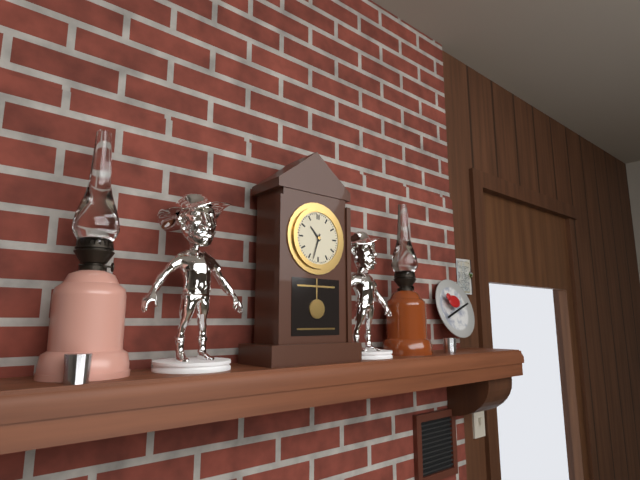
10:33
